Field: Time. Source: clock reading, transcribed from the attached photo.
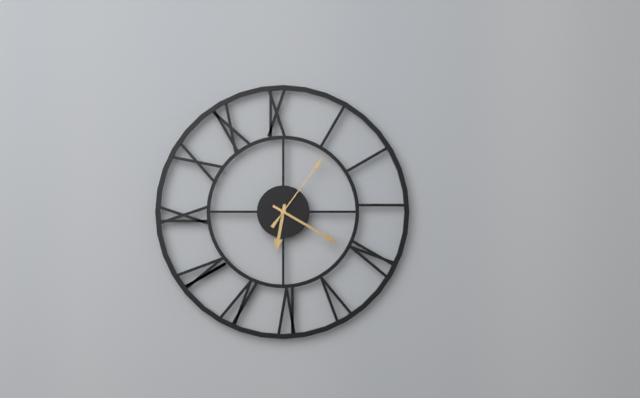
6:20:06
